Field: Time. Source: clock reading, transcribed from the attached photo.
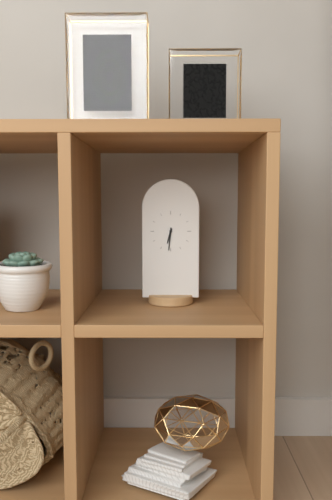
6:31
